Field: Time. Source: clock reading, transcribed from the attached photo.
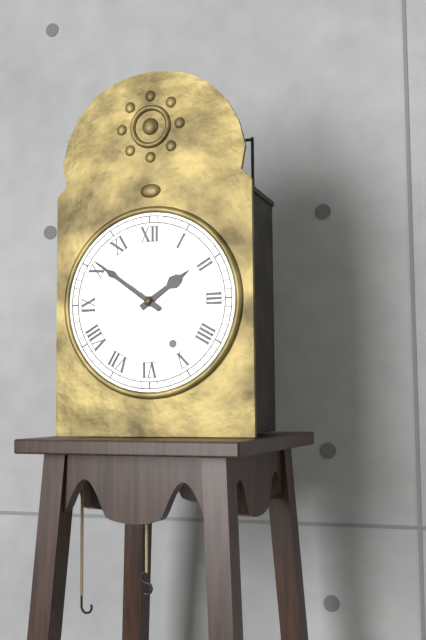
1:51
